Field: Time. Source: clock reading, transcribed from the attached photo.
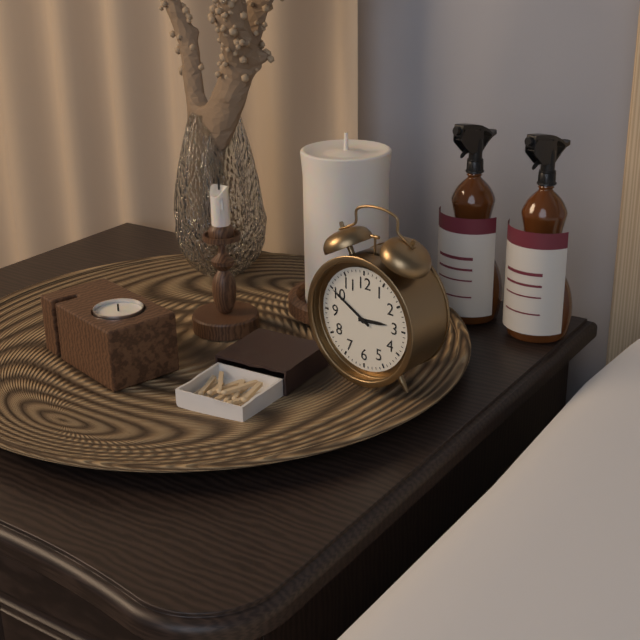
2:50
